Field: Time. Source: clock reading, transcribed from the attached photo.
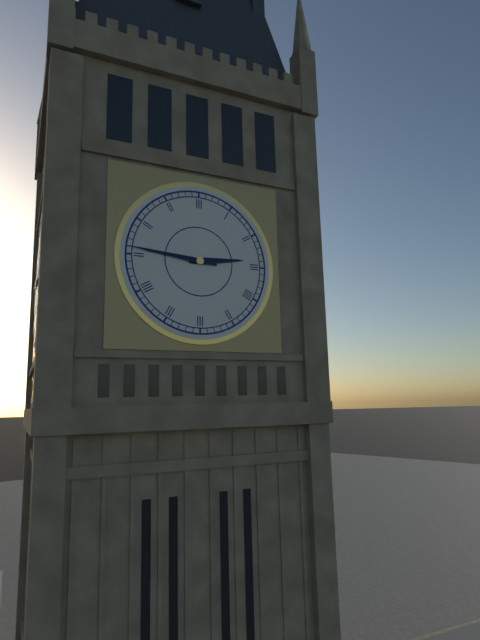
2:46
